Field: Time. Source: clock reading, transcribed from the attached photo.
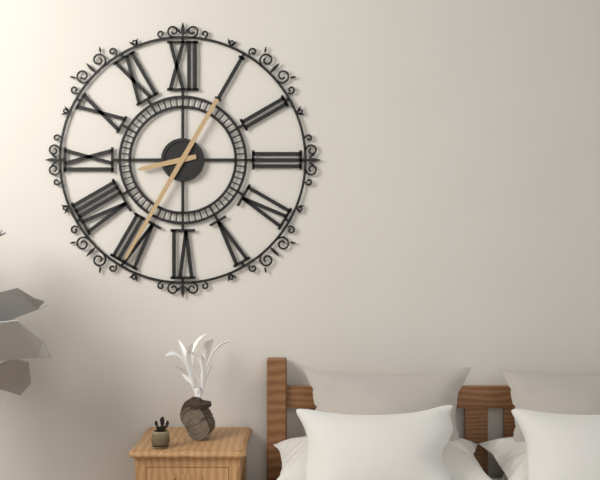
8:35
